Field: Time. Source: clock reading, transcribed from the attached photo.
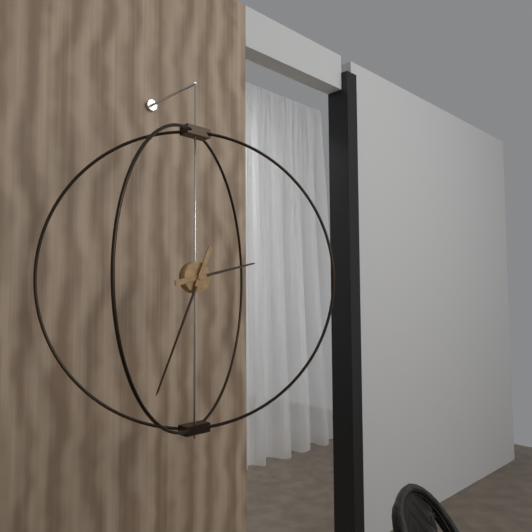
2:34
